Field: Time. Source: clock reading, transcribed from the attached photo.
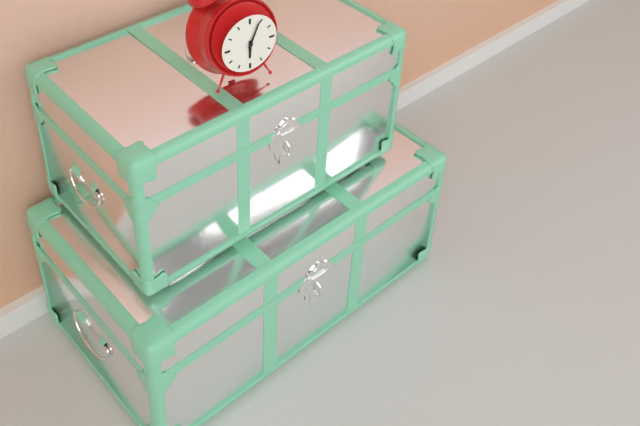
6:04
